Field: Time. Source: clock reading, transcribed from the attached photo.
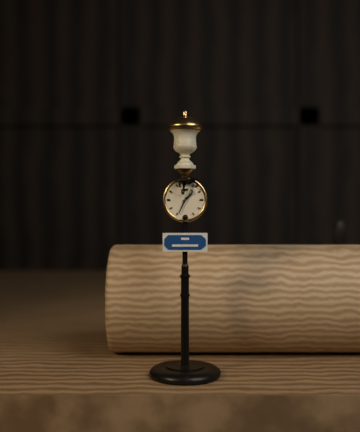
1:34
